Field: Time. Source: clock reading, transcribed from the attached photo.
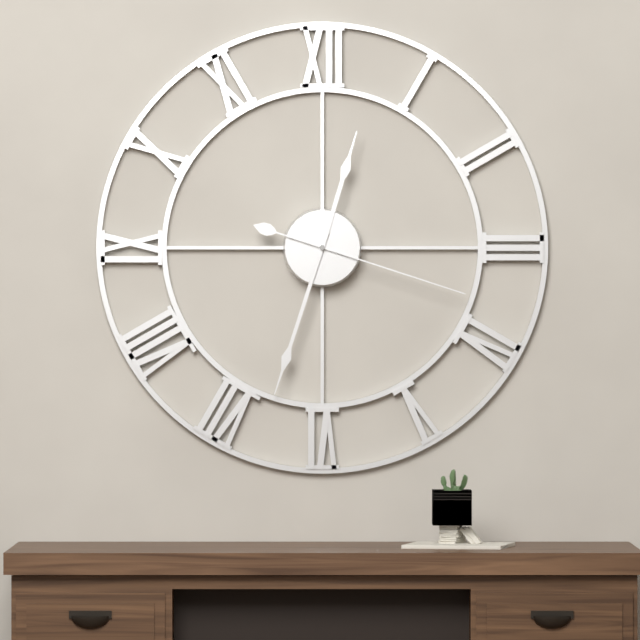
12:33:18
